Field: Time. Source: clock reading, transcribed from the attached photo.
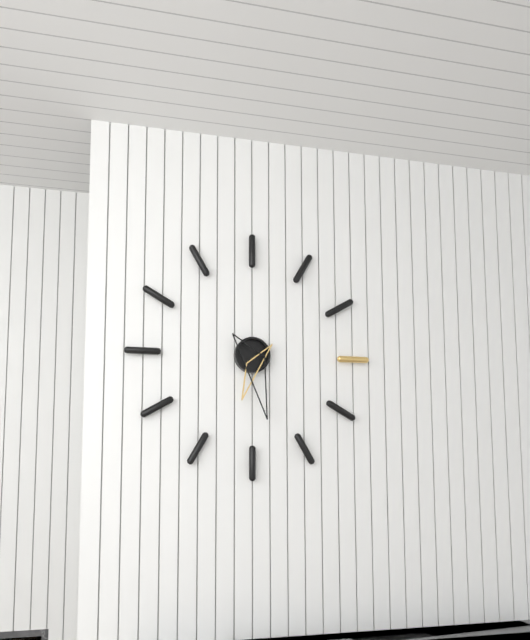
6:28
